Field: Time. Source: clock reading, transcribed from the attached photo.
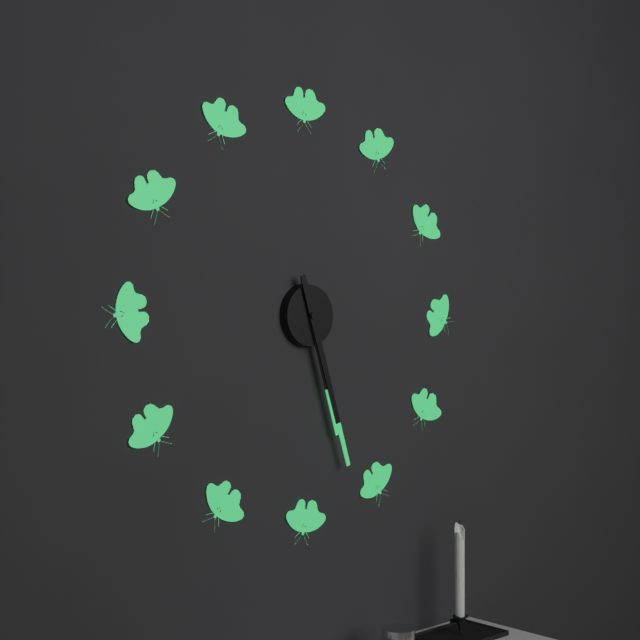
5:27
